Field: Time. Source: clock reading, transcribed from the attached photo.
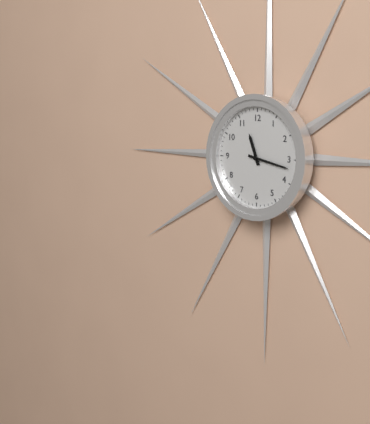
11:17
